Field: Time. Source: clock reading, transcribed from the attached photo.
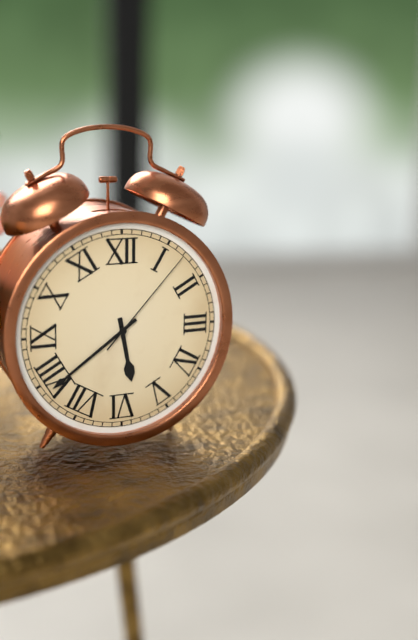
5:39:07
